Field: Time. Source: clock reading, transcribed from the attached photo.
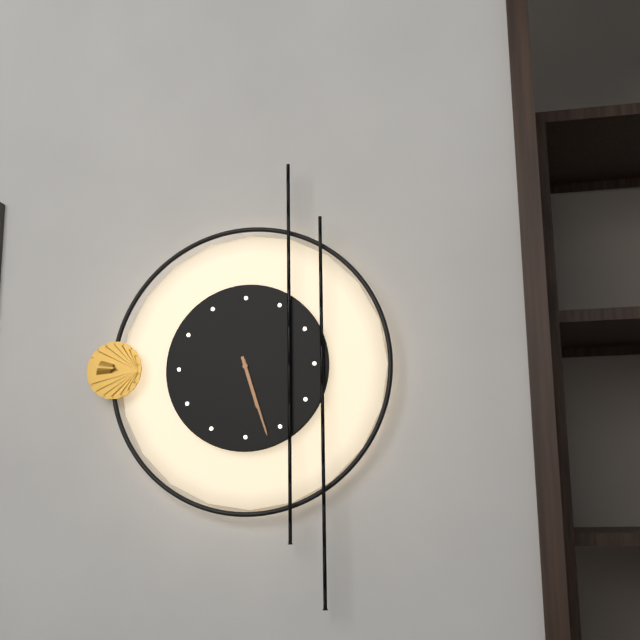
5:27
